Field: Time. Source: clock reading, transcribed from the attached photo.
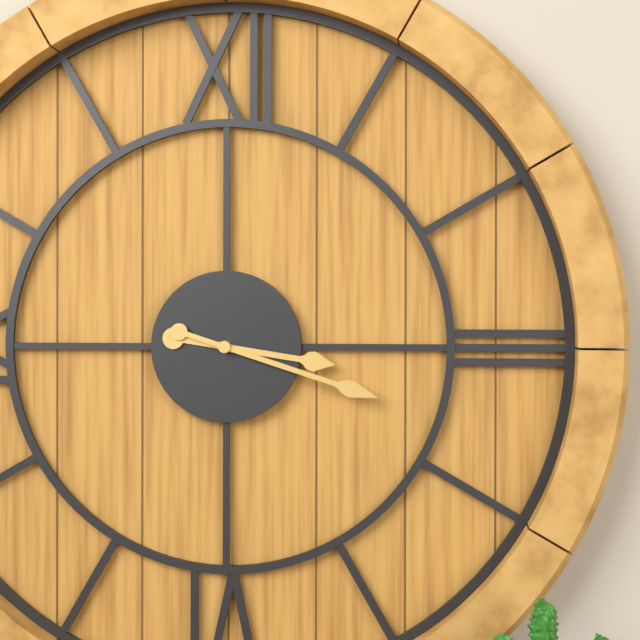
3:18
